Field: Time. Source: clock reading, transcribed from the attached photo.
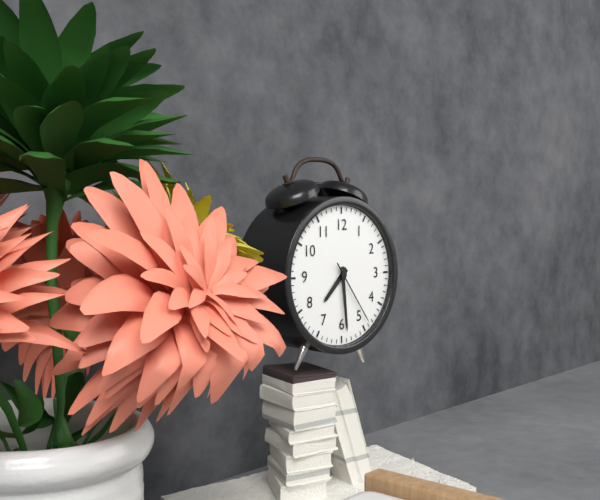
7:29:24
